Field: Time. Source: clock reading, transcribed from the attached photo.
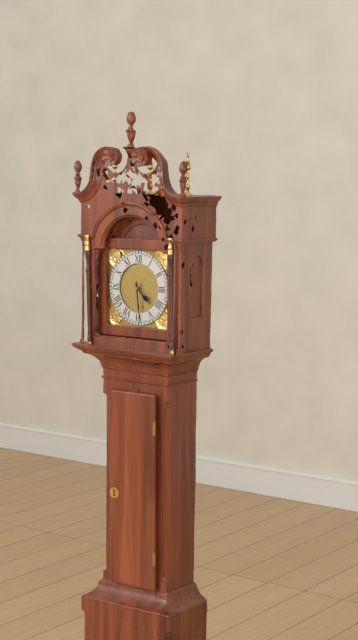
4:29
